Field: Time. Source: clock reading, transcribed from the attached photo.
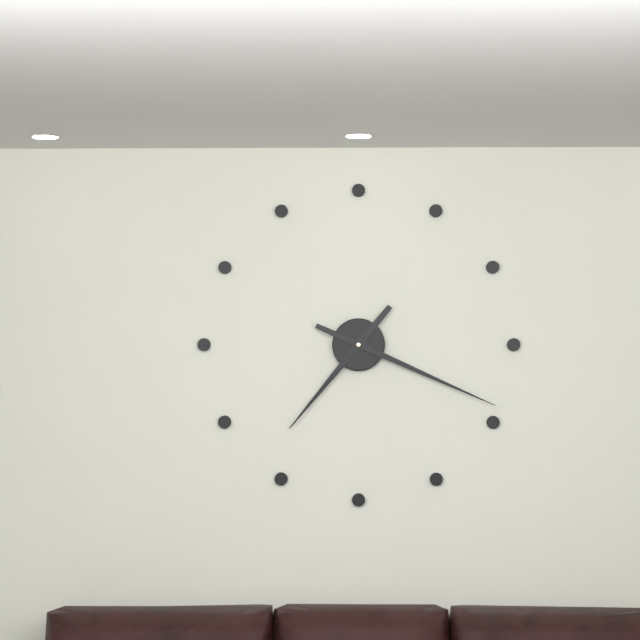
7:19
